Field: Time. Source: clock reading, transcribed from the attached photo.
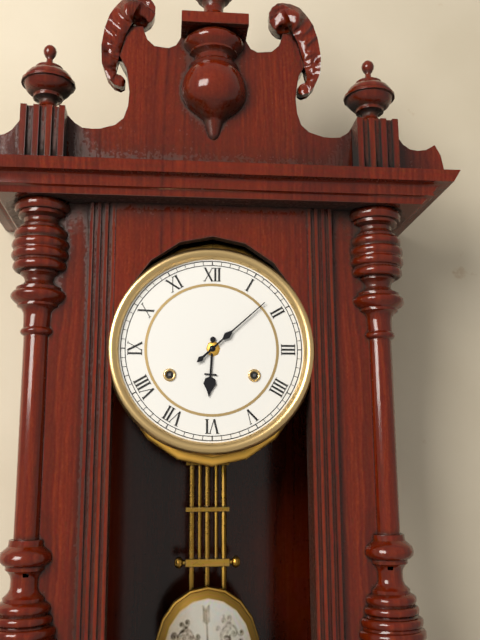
6:08
